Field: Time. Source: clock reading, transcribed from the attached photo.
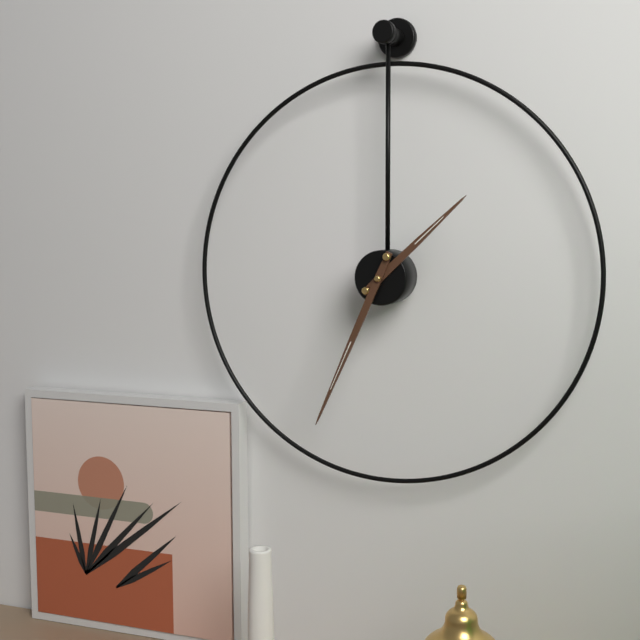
1:34
